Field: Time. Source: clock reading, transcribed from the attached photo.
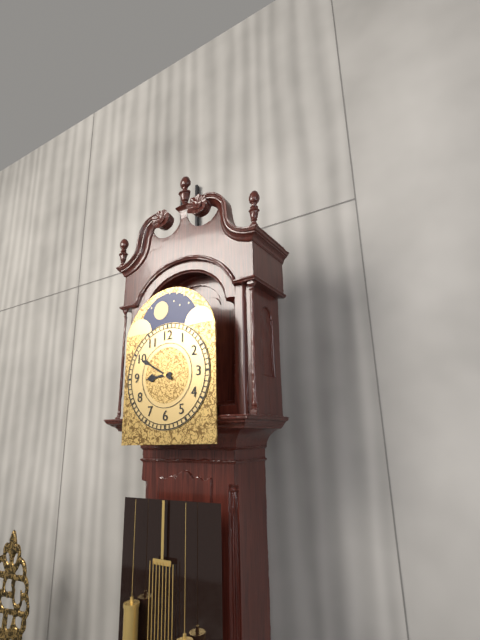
8:50
